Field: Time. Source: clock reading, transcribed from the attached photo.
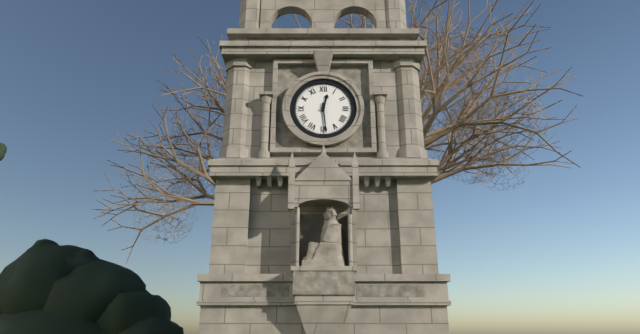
12:29
